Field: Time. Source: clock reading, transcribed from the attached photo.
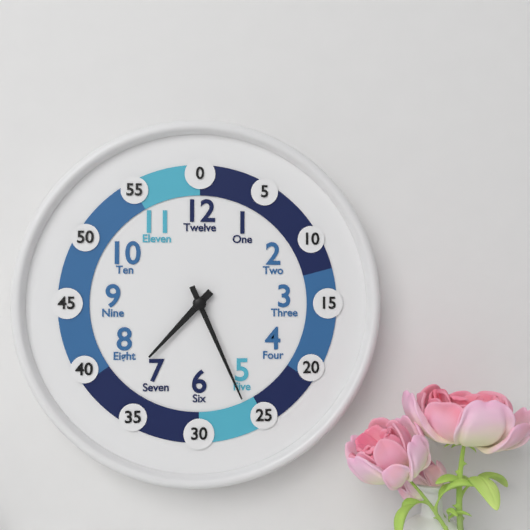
7:26
